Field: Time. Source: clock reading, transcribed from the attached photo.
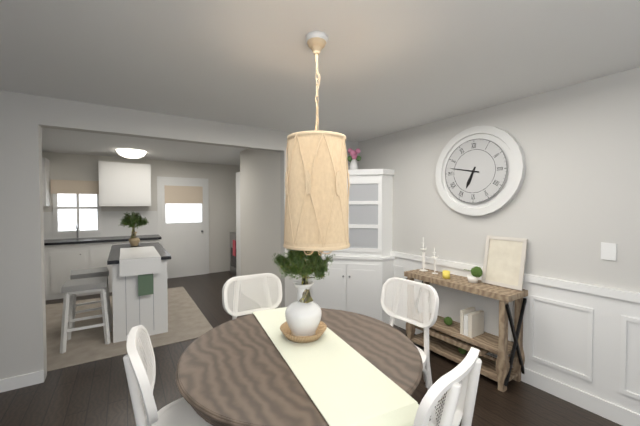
6:47
